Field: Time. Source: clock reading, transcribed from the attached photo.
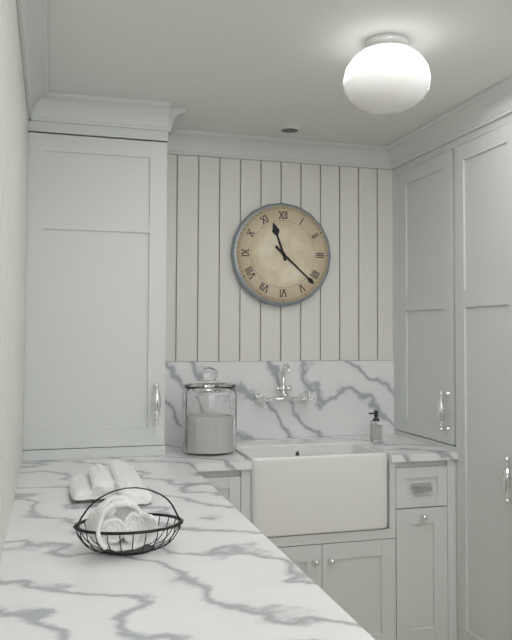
11:22
